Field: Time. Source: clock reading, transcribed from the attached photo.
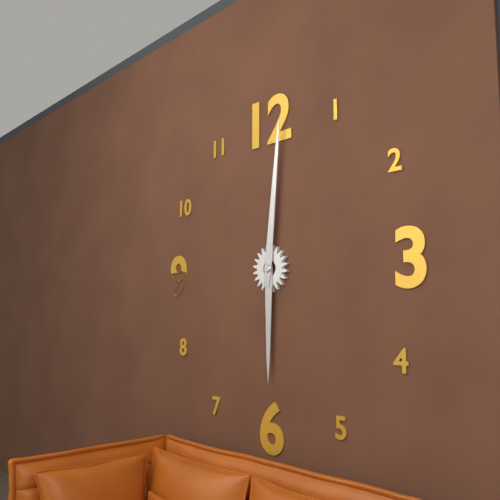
6:01
